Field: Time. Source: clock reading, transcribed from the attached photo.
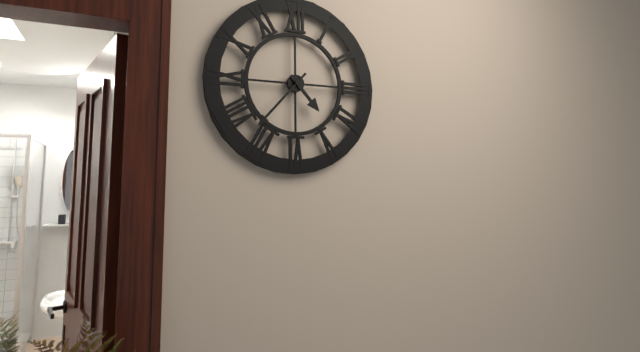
4:37
